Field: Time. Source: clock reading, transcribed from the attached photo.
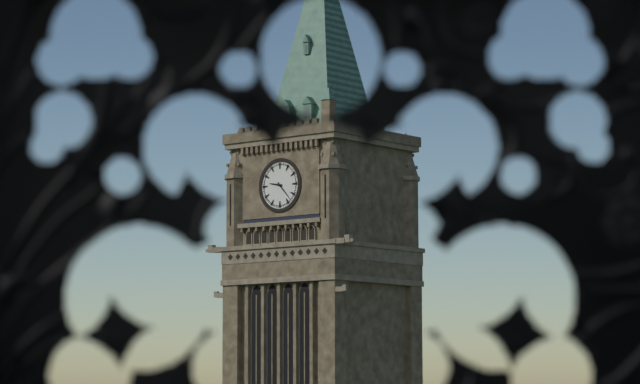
9:23
